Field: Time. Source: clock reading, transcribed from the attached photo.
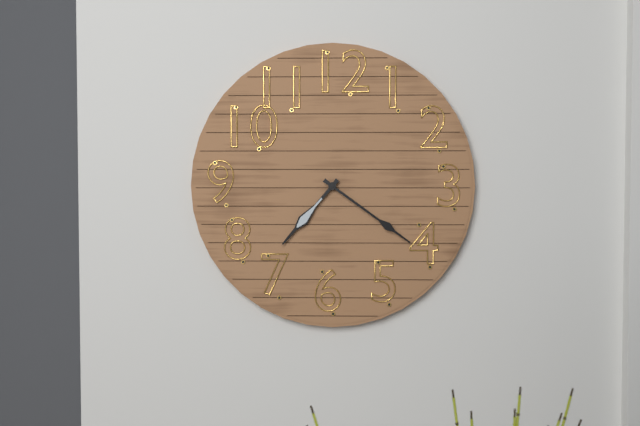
7:21
